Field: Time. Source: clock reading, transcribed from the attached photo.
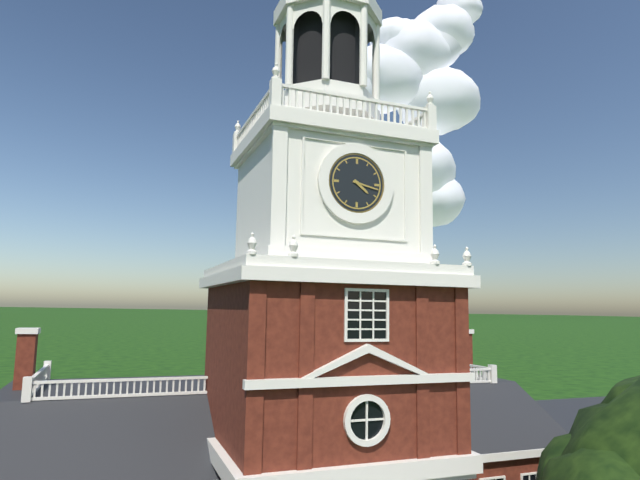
4:17
